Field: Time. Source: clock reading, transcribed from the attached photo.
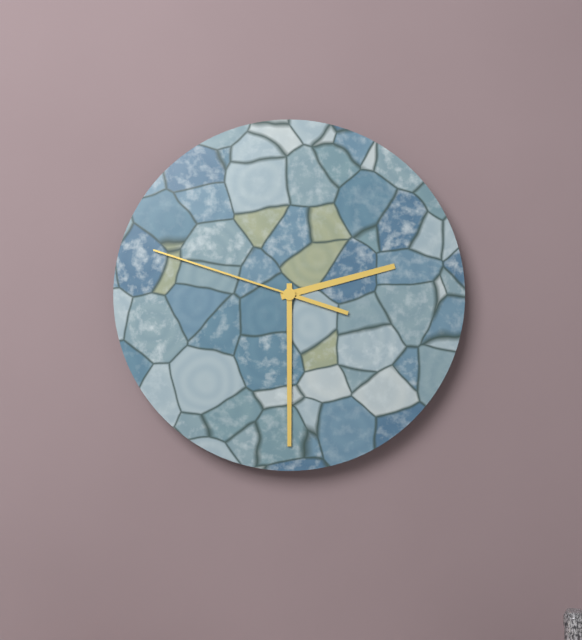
2:30:48
